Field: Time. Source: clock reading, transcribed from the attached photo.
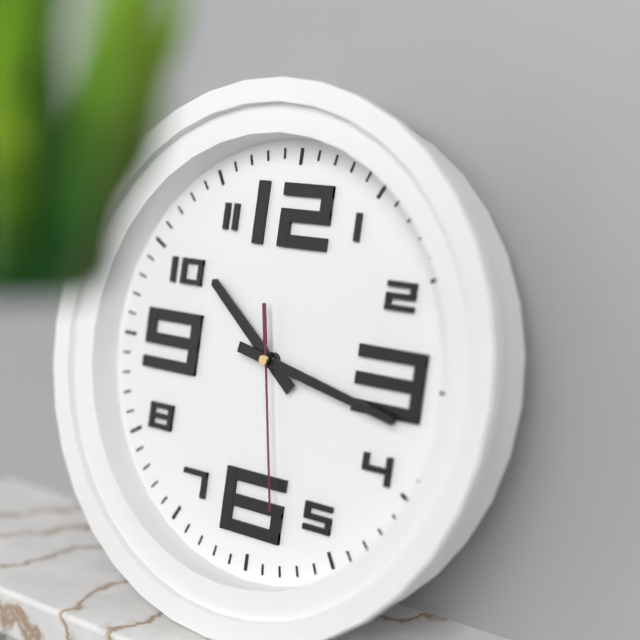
10:17:28
